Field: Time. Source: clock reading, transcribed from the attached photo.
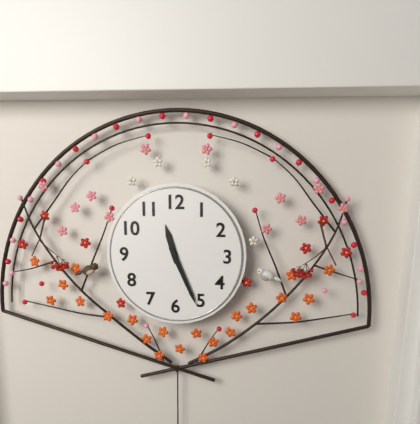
11:26
